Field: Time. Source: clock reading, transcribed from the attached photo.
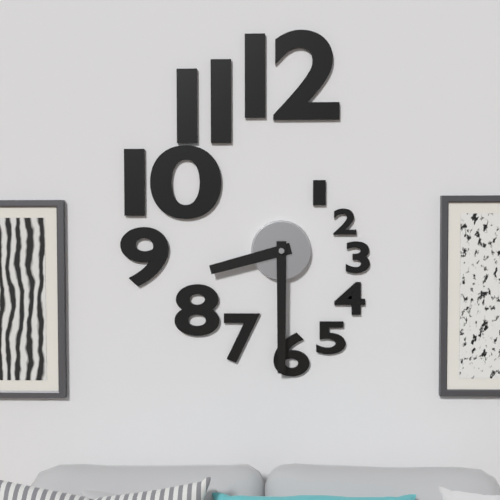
8:30
